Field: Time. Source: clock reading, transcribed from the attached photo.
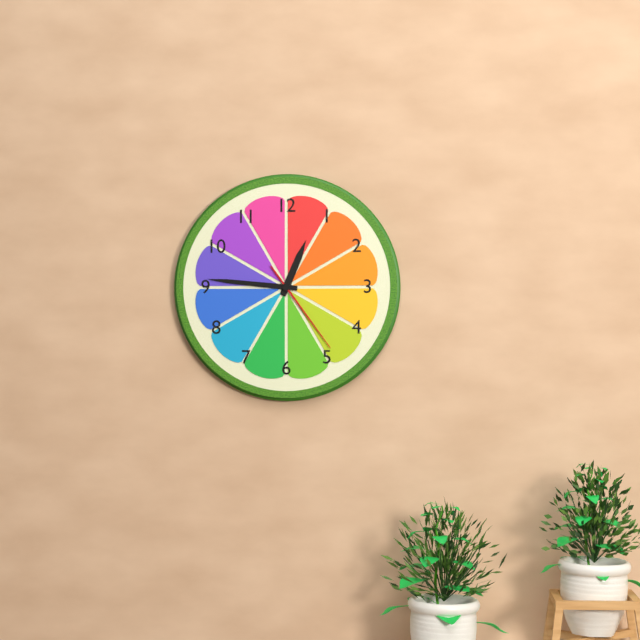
12:46:24
